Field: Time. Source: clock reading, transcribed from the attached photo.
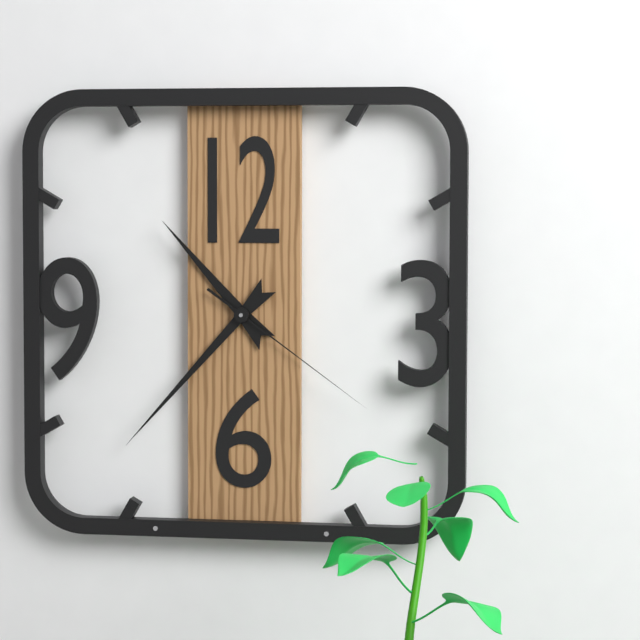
10:37:21
